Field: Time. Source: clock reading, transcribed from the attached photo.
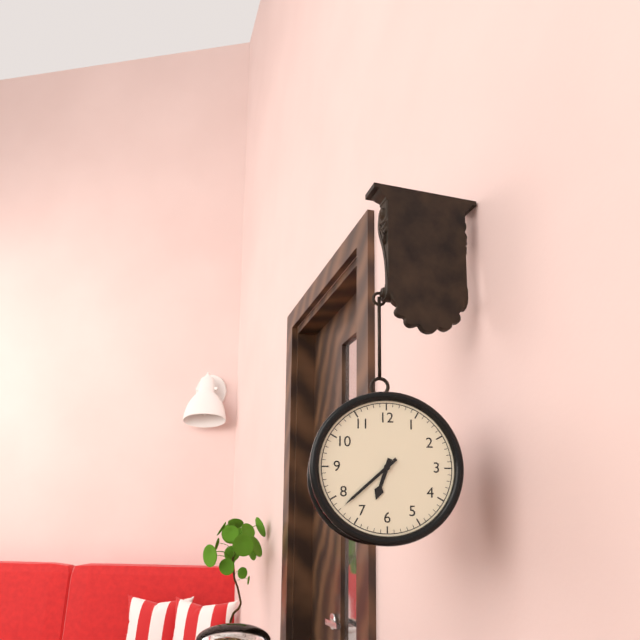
6:38
